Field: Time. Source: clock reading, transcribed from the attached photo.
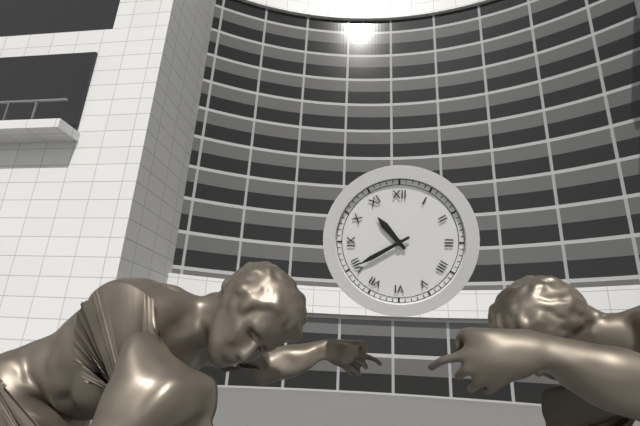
10:40
